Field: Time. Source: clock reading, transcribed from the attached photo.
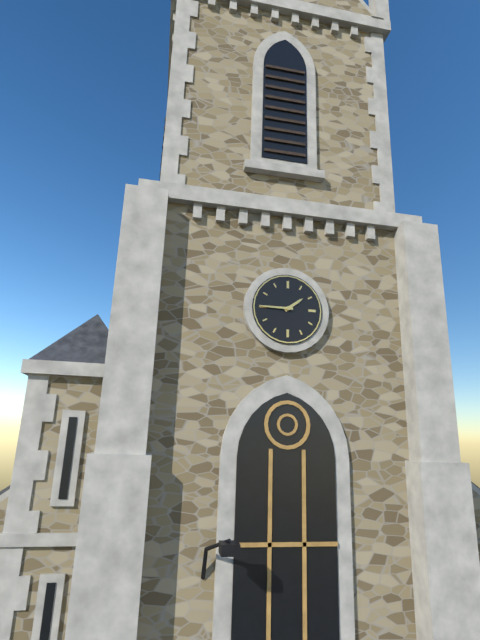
1:45
